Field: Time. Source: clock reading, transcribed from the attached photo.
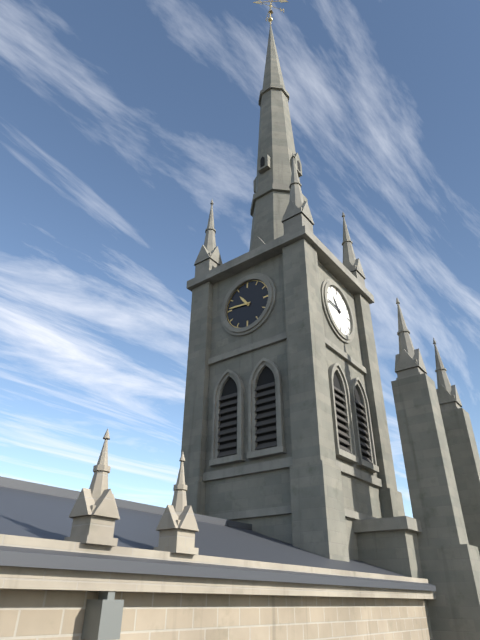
10:46
